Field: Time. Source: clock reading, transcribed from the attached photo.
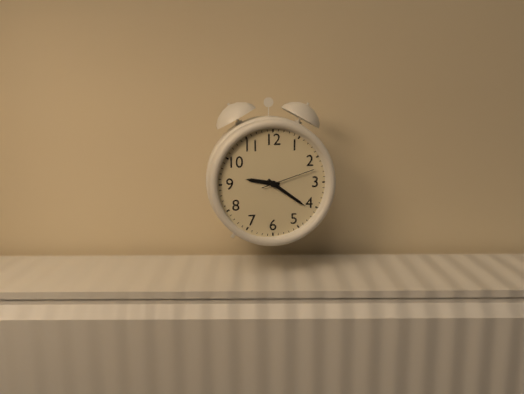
9:21:12
